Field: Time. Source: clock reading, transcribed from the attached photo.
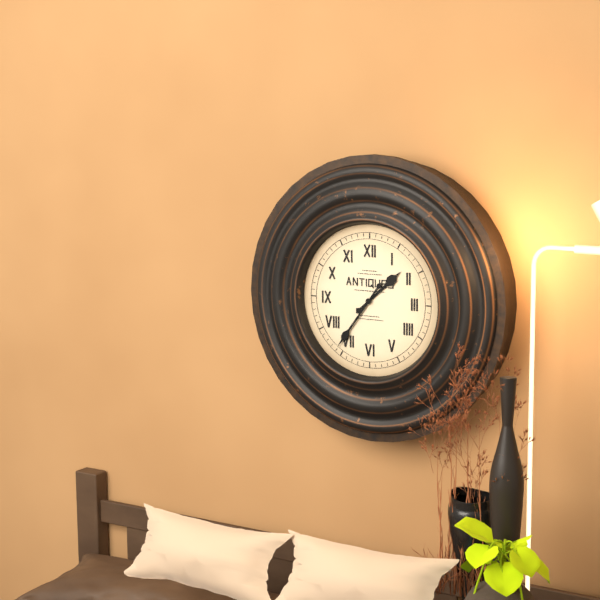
1:36
